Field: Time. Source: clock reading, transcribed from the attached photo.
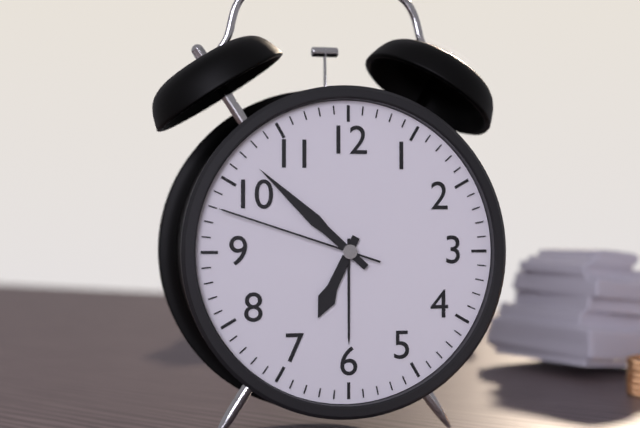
6:52:48
